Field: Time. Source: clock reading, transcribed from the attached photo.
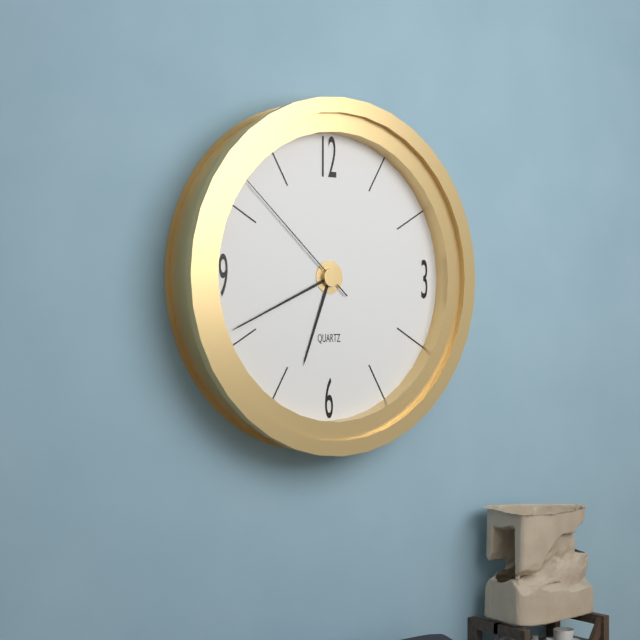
6:41:52
